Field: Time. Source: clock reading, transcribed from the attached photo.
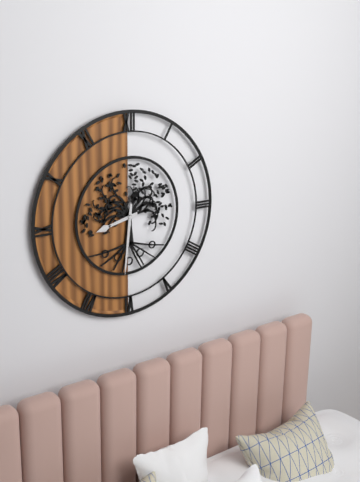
8:31
